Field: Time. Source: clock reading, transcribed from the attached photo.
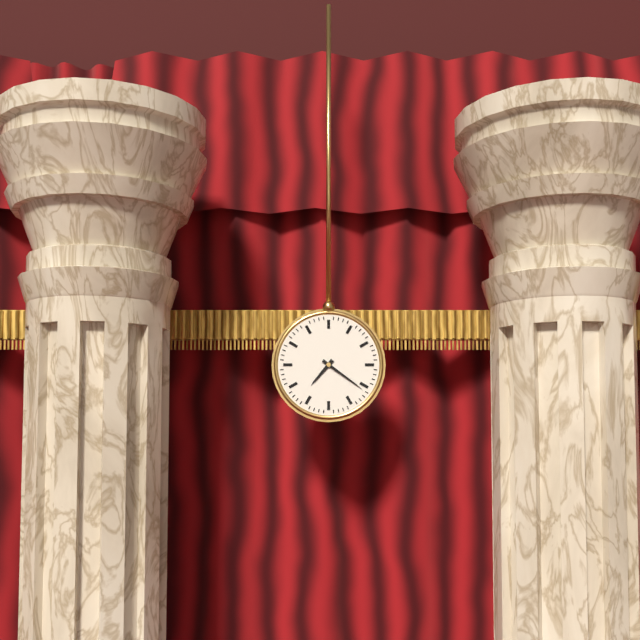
7:21
